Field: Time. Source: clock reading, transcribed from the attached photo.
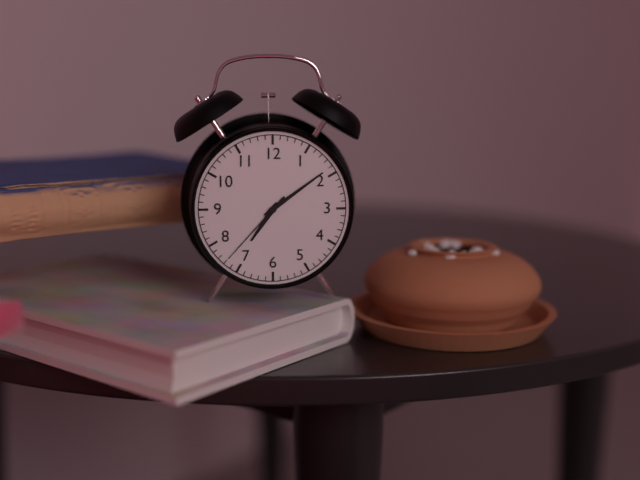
7:09:37
